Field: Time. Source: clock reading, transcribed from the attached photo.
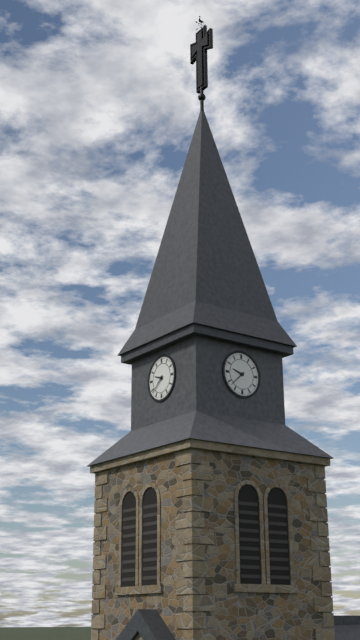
9:38
